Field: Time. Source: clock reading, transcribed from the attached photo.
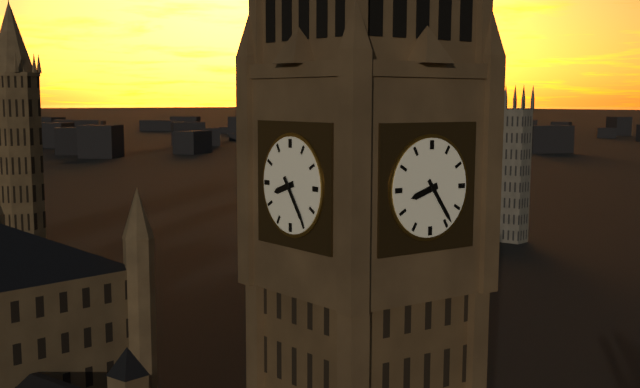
8:24
